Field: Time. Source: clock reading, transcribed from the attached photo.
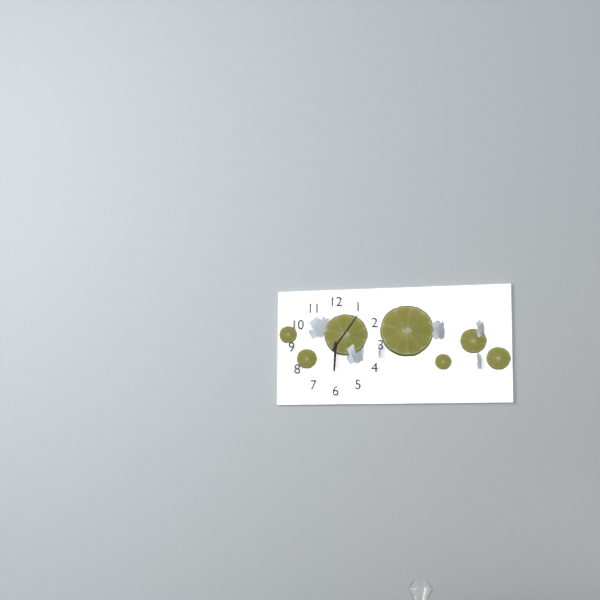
6:06
